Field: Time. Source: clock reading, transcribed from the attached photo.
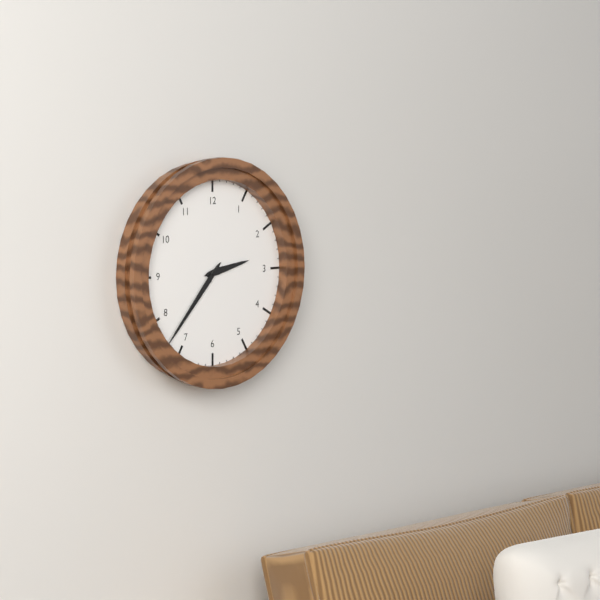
2:37
